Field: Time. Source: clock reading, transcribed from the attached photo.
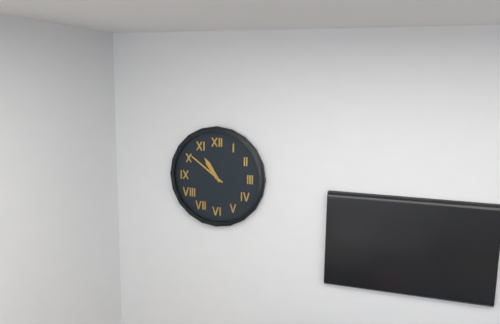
10:51
